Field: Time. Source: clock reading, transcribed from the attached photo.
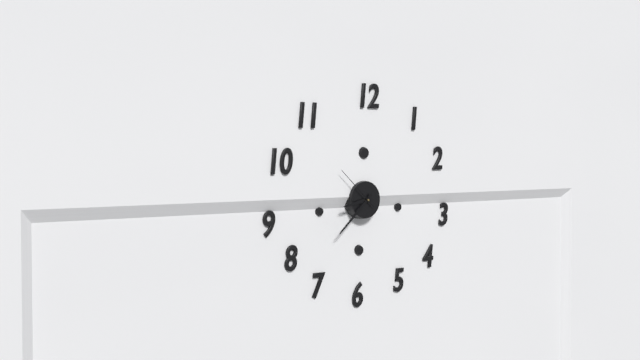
8:38
